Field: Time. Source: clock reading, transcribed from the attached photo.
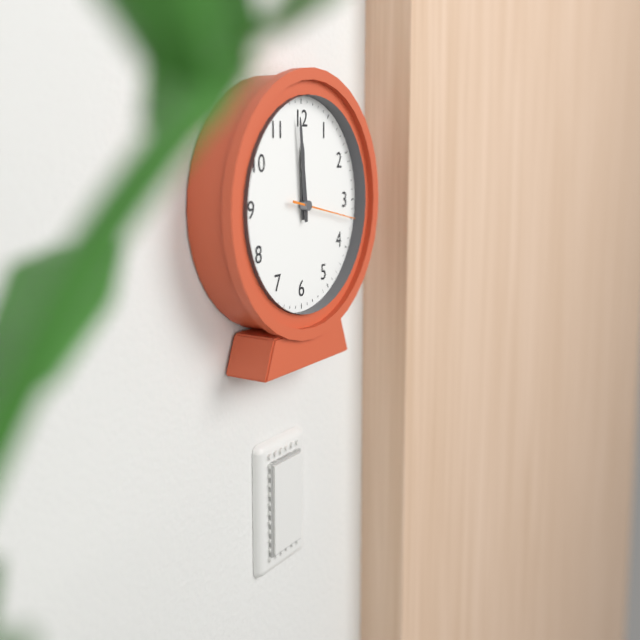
11:59:17
